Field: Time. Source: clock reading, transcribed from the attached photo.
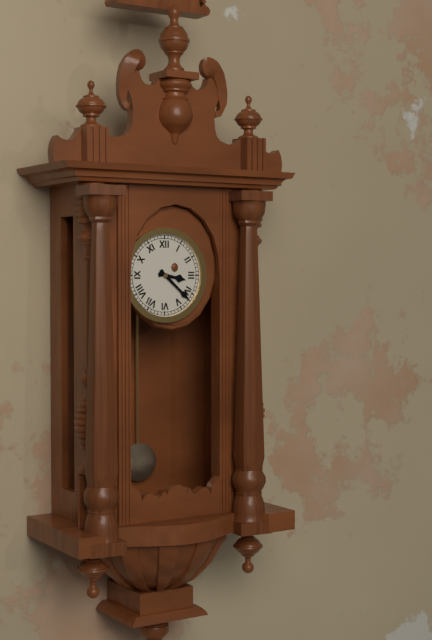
3:22
